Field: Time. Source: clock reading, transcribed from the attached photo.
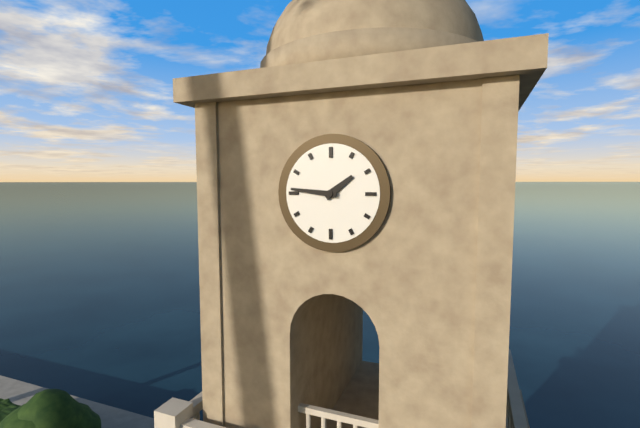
1:46
